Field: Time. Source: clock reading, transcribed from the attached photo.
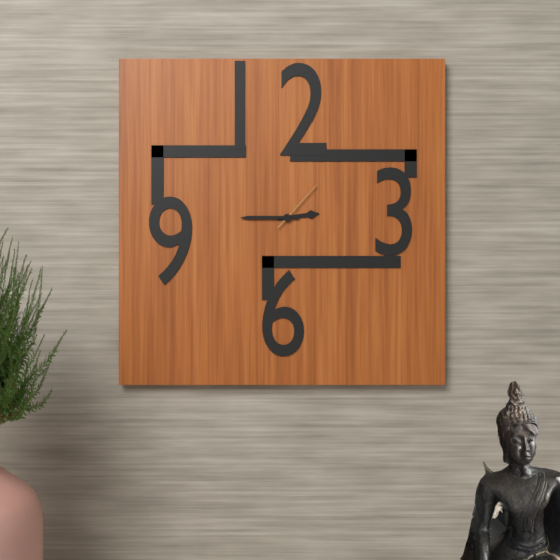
2:45:07
